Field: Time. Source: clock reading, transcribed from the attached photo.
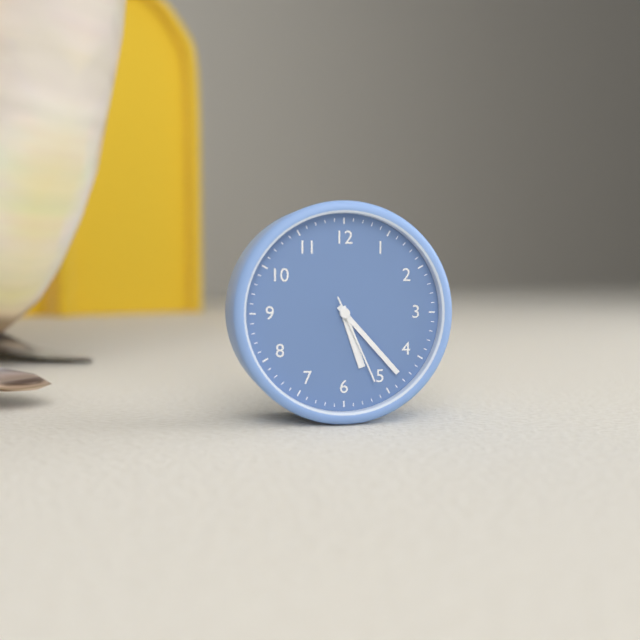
5:23:26
